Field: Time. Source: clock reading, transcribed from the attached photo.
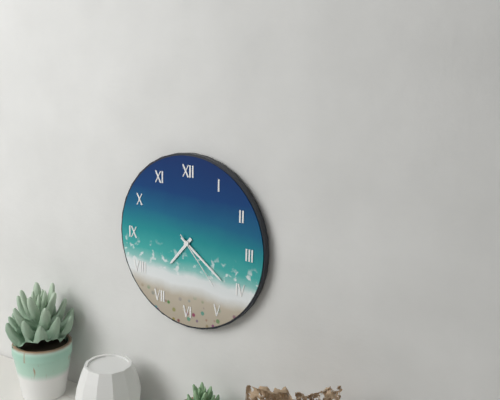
7:21:23
